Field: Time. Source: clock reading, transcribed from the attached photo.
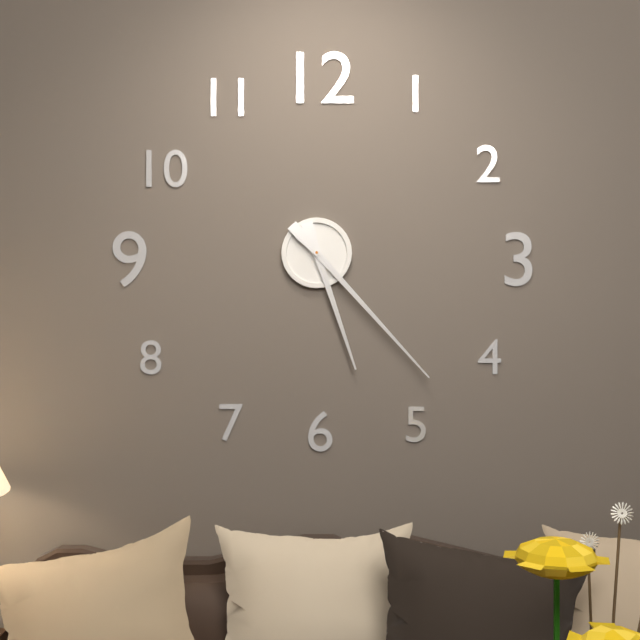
5:23
